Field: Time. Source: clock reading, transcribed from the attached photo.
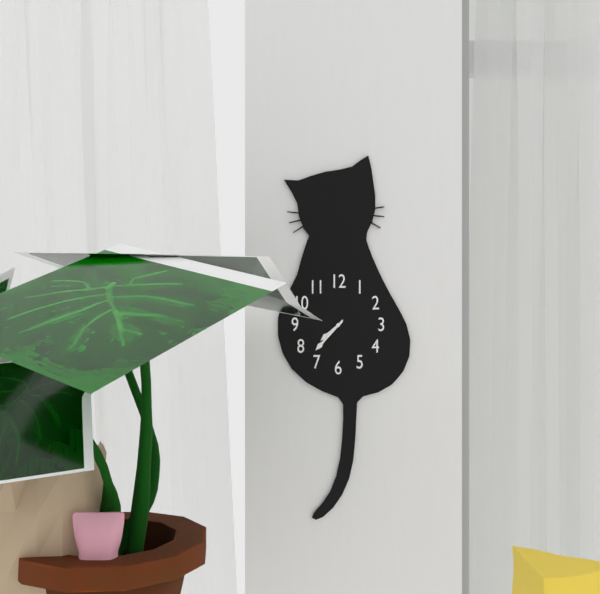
7:37
